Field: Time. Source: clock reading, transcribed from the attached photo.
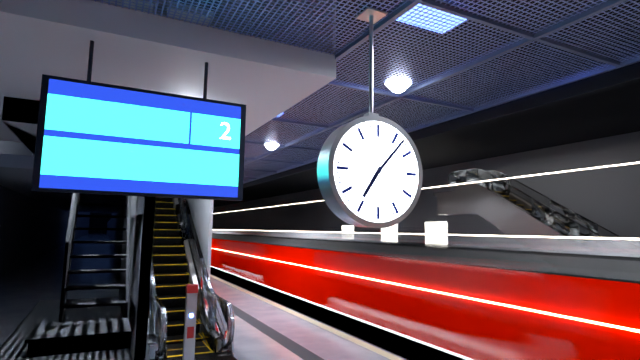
7:07
